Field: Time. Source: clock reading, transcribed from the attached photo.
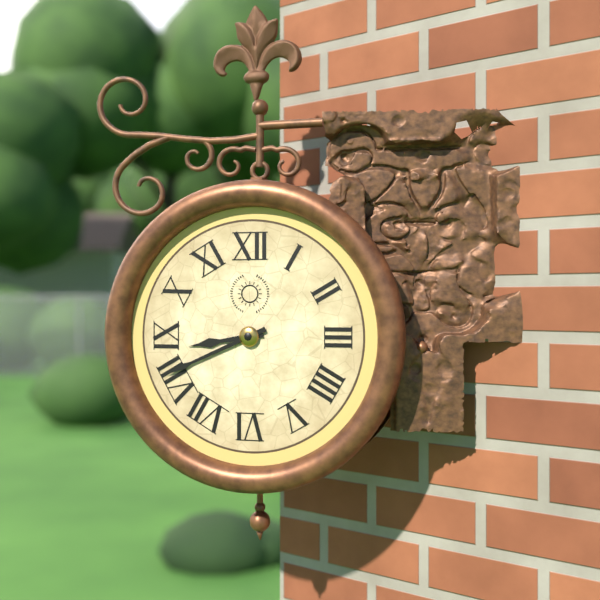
8:41
